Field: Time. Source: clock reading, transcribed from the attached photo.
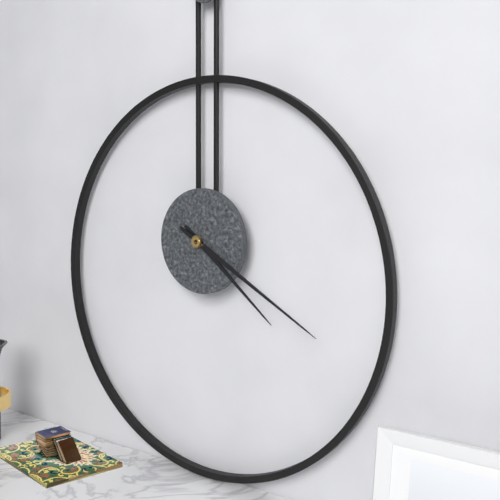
4:20
